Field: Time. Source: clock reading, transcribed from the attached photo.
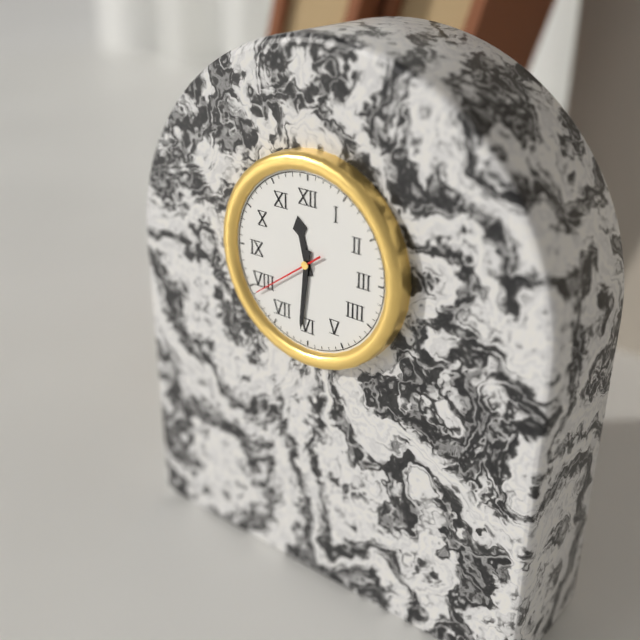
11:31:39
